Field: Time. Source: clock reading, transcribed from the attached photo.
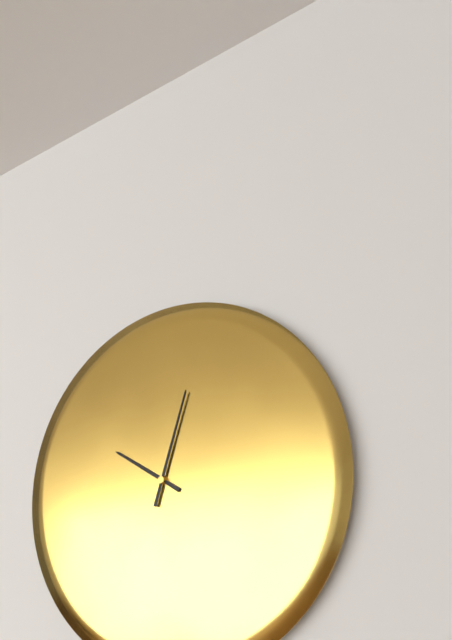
10:03
